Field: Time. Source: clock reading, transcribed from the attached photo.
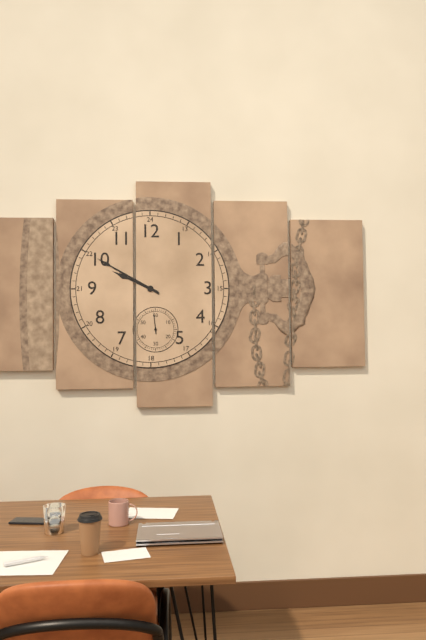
9:50
